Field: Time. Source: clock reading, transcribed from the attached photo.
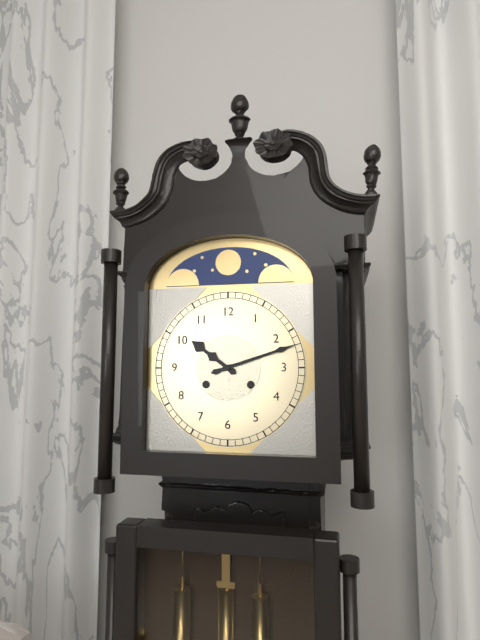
10:12
